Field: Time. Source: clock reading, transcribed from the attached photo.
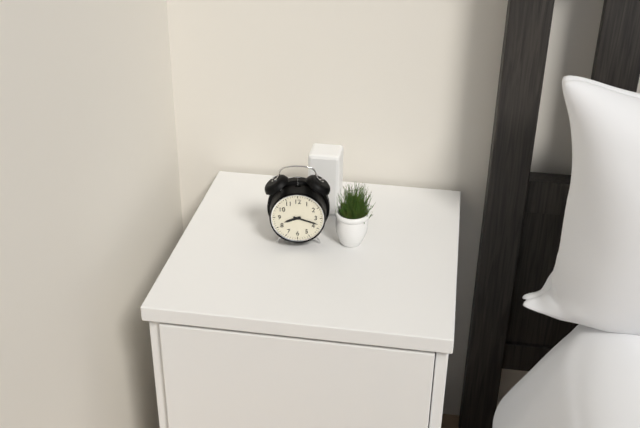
8:18
